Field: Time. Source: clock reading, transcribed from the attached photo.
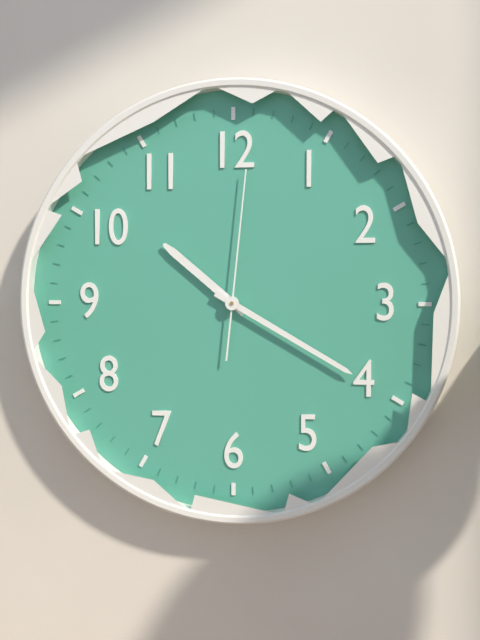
10:20:01
